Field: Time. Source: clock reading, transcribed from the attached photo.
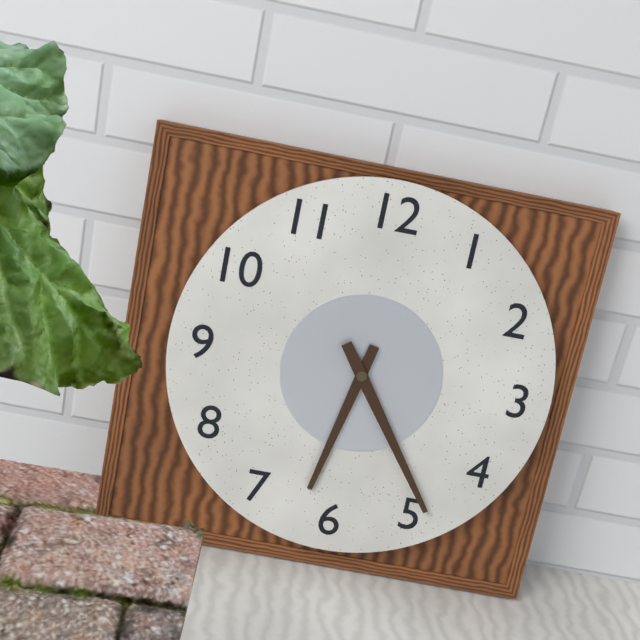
6:24
